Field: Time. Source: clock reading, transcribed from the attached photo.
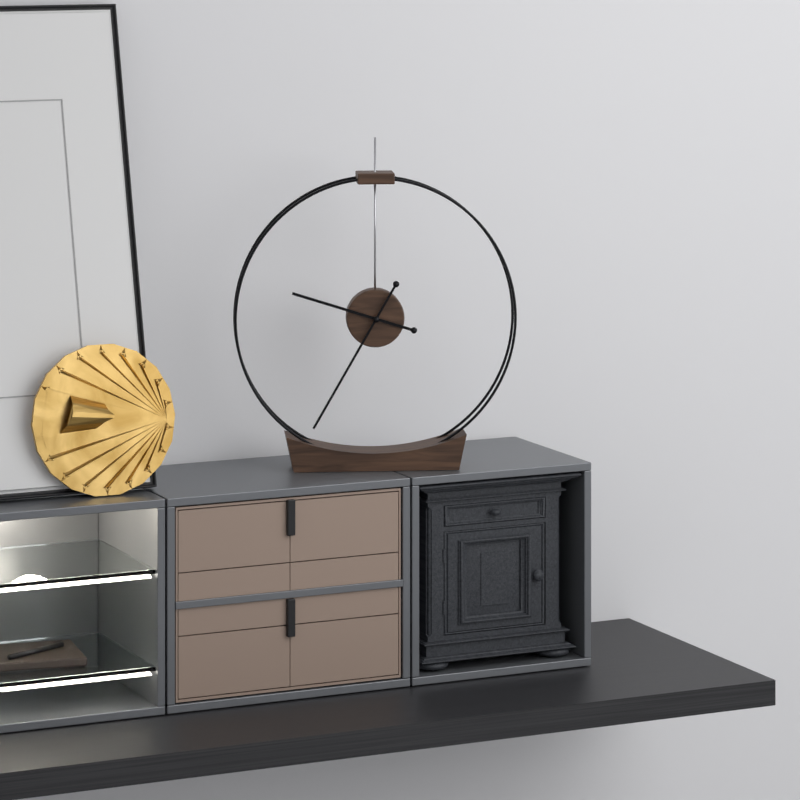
9:35
